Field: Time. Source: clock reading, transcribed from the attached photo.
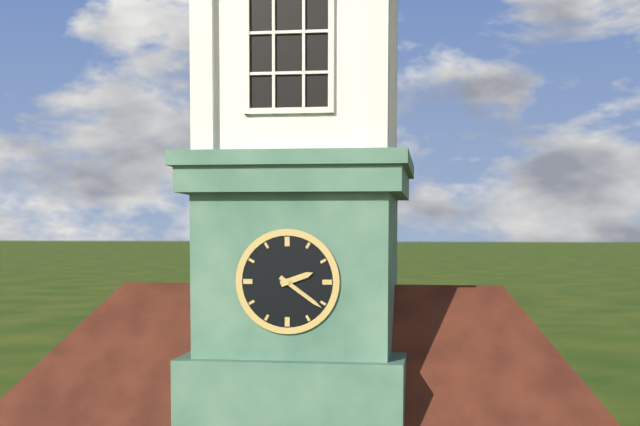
2:21
